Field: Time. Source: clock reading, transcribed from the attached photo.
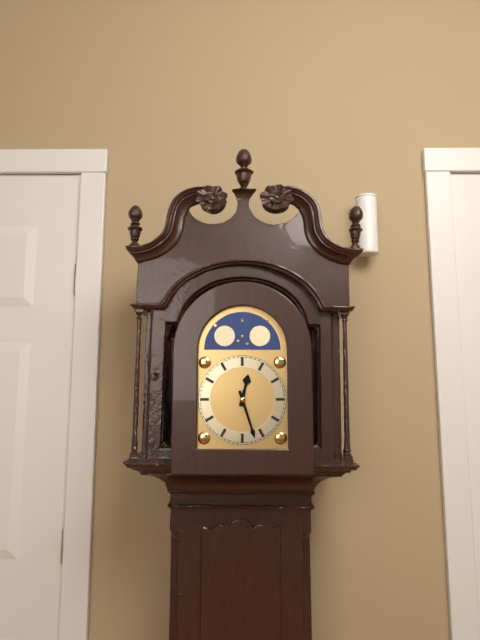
12:27
